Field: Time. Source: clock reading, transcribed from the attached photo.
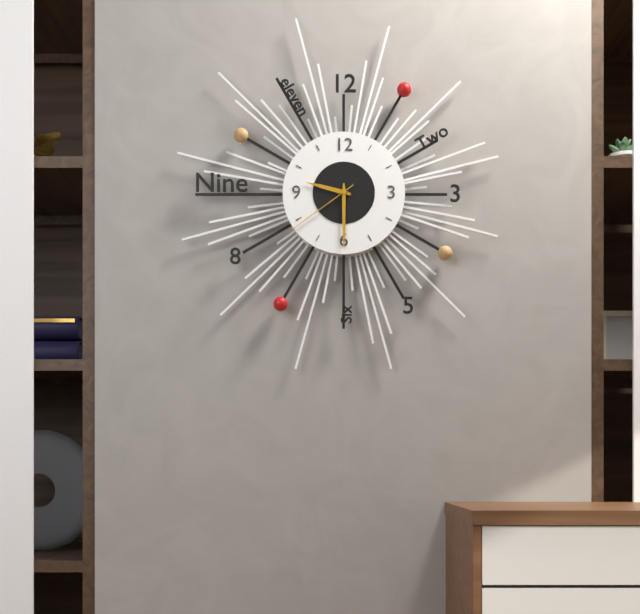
9:30:39
